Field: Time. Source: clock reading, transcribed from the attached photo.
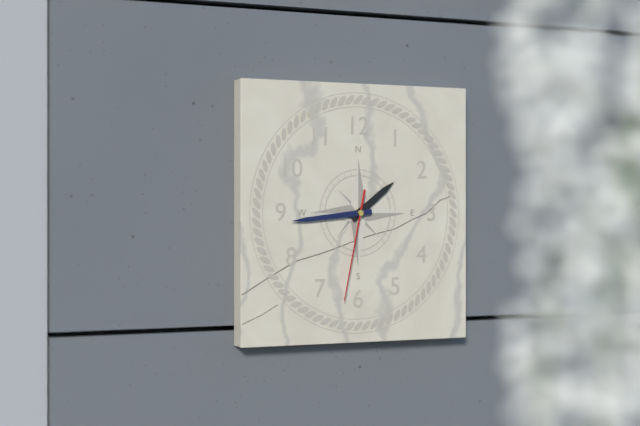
1:44:32
